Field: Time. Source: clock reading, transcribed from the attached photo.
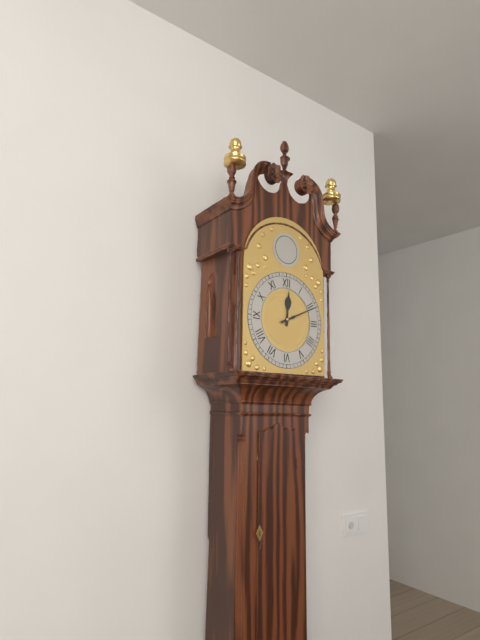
12:11
